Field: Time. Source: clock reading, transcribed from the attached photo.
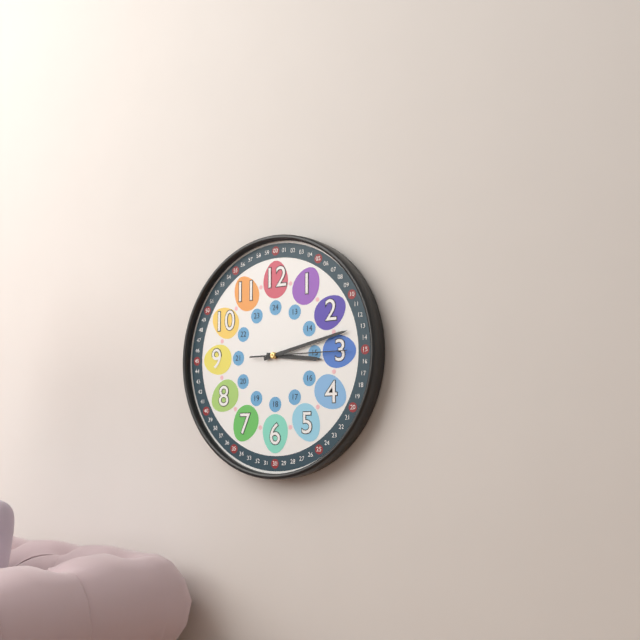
3:13:15
